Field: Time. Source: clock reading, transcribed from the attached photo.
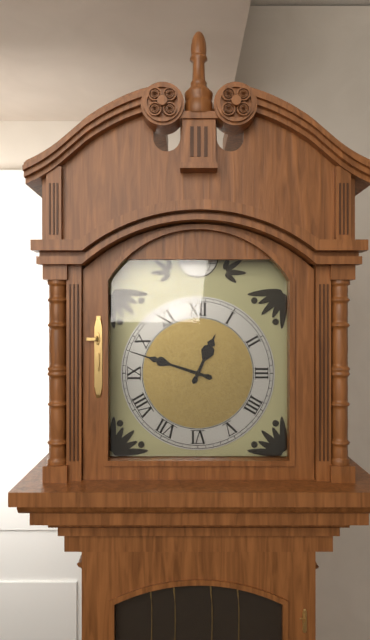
12:48
